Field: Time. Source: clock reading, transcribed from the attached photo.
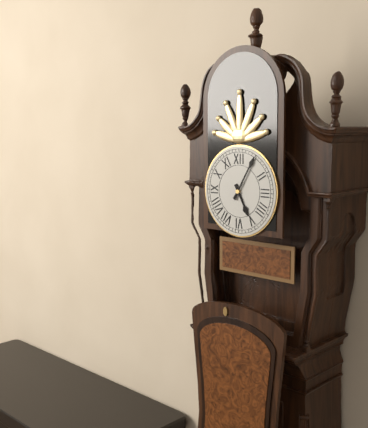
5:05
